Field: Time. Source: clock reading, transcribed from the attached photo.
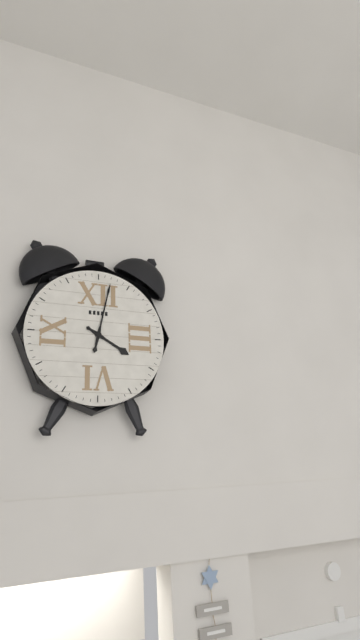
4:02
